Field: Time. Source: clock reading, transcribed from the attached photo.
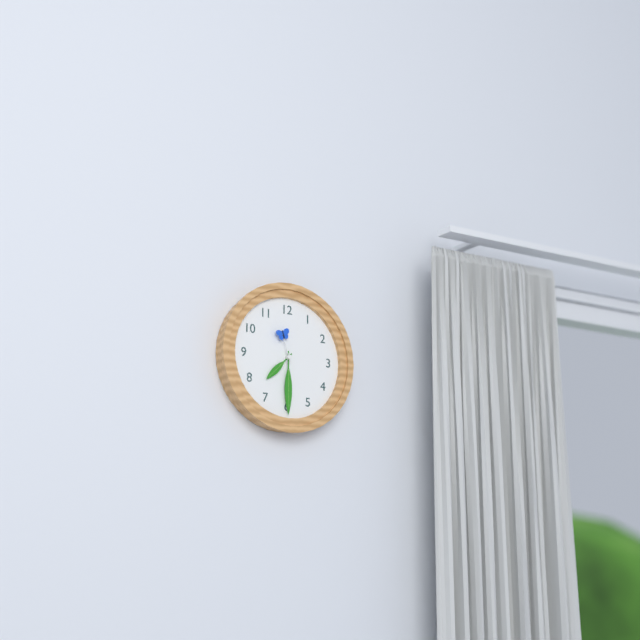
7:30
